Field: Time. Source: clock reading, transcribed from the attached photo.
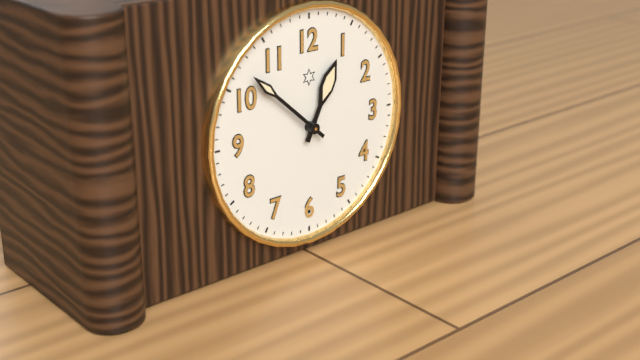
12:52
